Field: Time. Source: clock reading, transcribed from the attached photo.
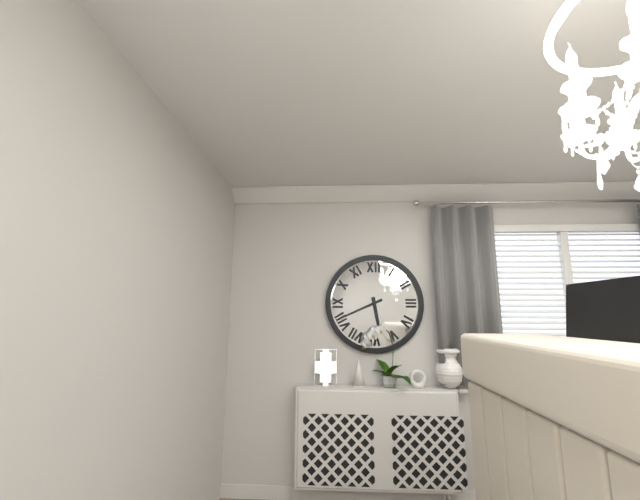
5:41
